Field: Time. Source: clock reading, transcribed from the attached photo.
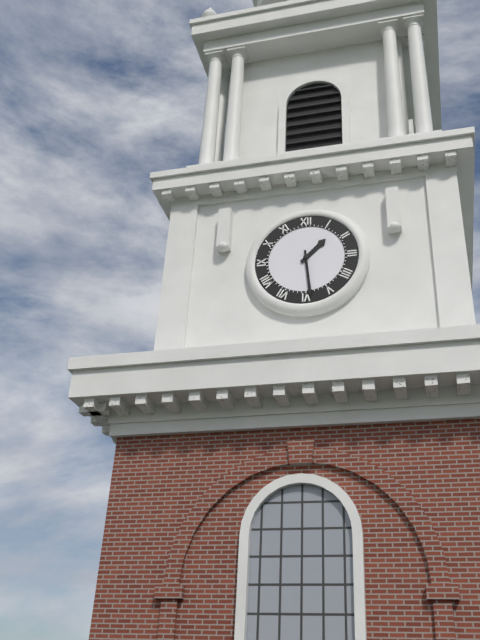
1:29
